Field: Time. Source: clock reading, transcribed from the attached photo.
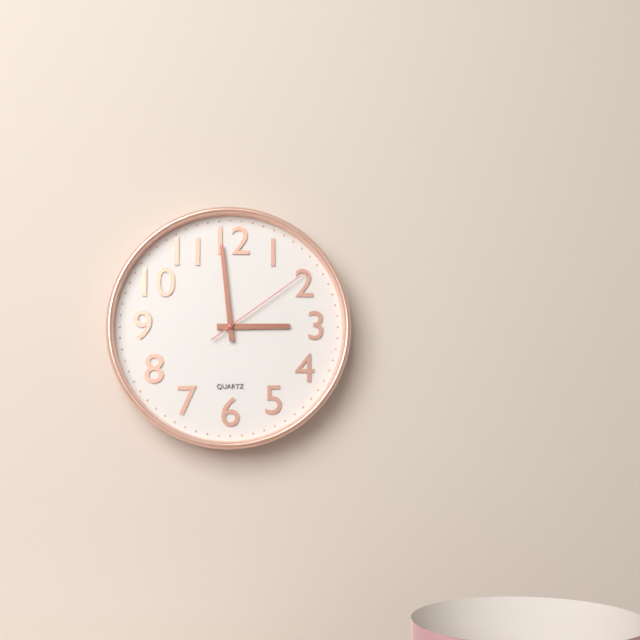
2:59:09
